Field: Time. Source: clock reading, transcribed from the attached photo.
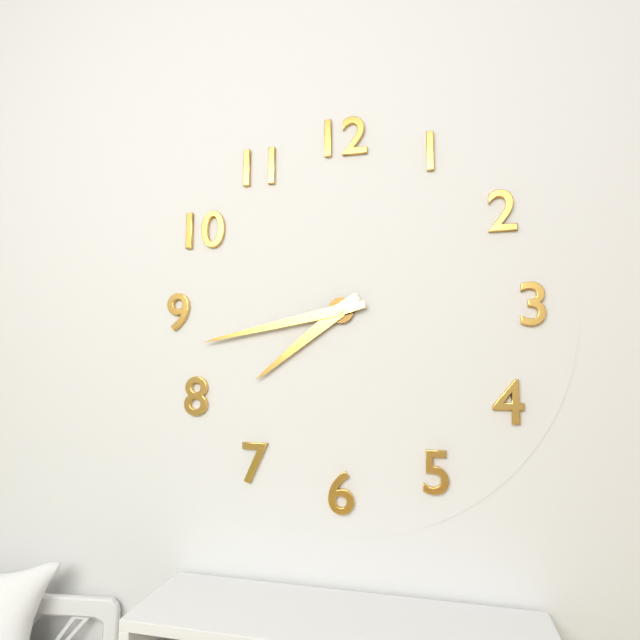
7:43
